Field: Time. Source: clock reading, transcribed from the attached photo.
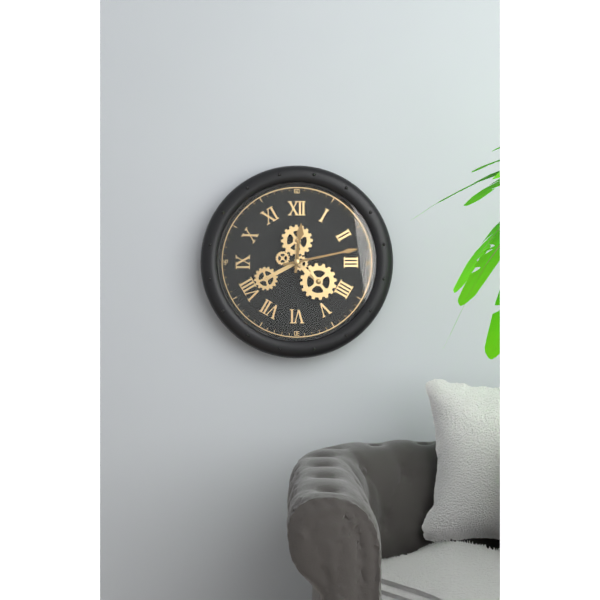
12:13
